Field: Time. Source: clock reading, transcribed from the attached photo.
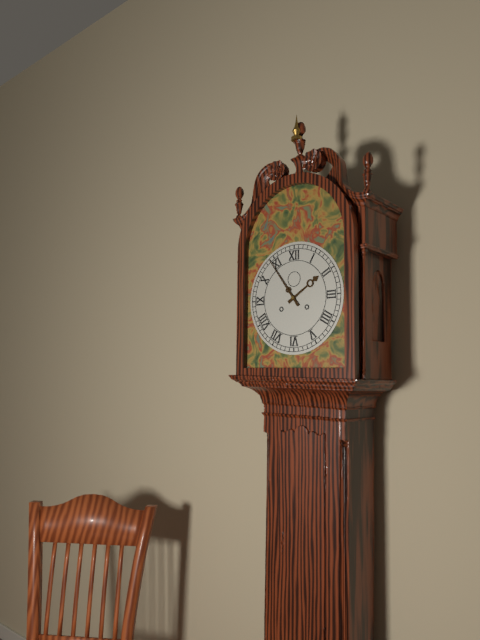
1:54
